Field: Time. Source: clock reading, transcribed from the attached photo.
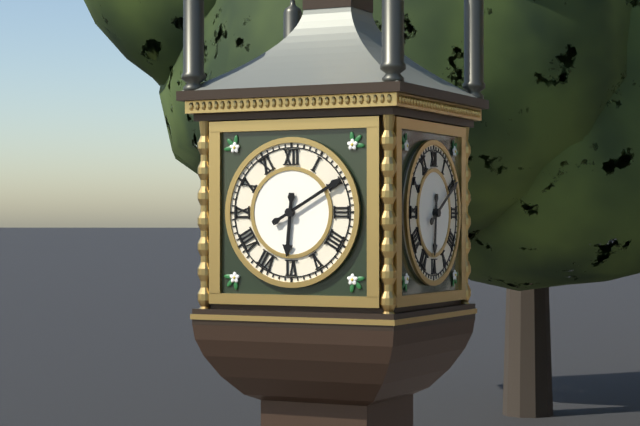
6:10
